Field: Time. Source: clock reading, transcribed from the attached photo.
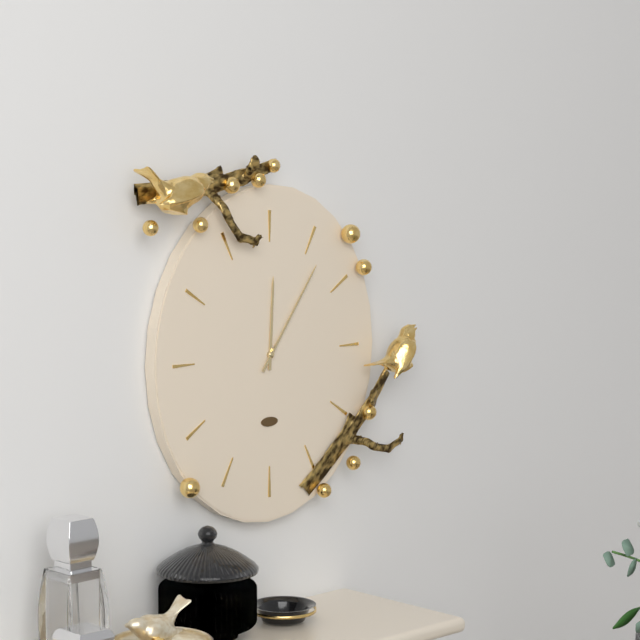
12:06
